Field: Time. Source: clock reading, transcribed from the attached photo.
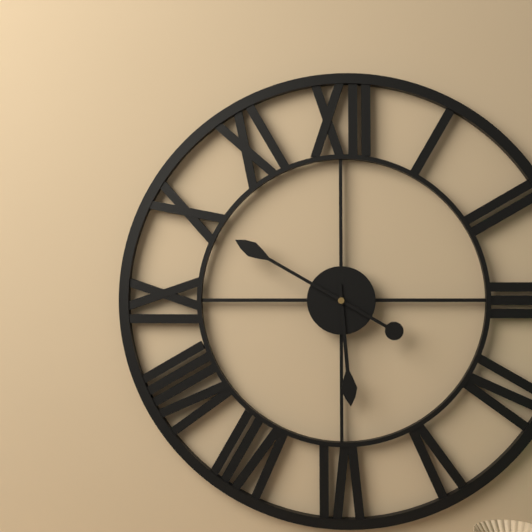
5:50
